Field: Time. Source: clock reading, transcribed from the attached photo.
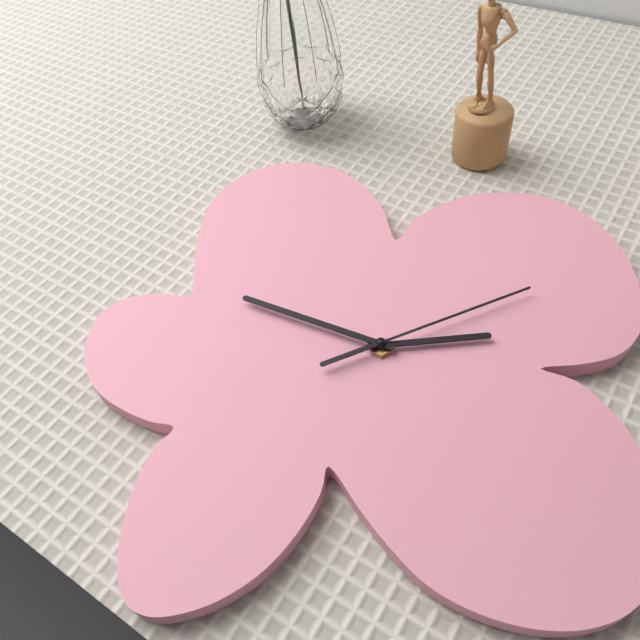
2:49:11
